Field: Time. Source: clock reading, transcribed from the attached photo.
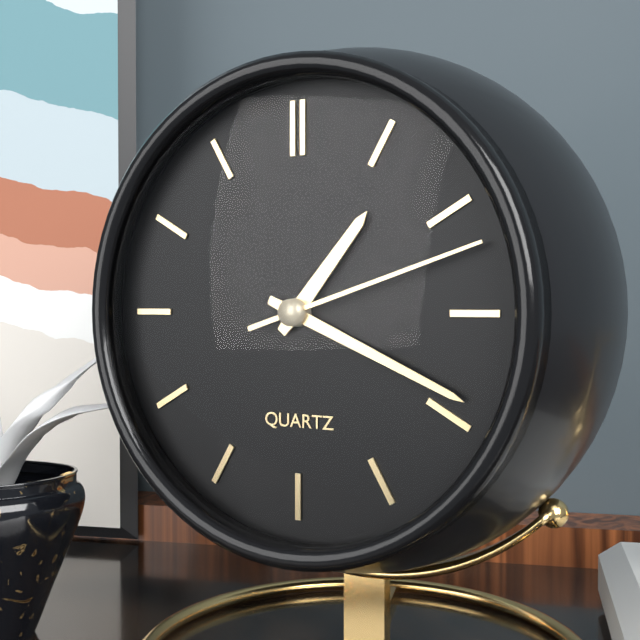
1:19:12
